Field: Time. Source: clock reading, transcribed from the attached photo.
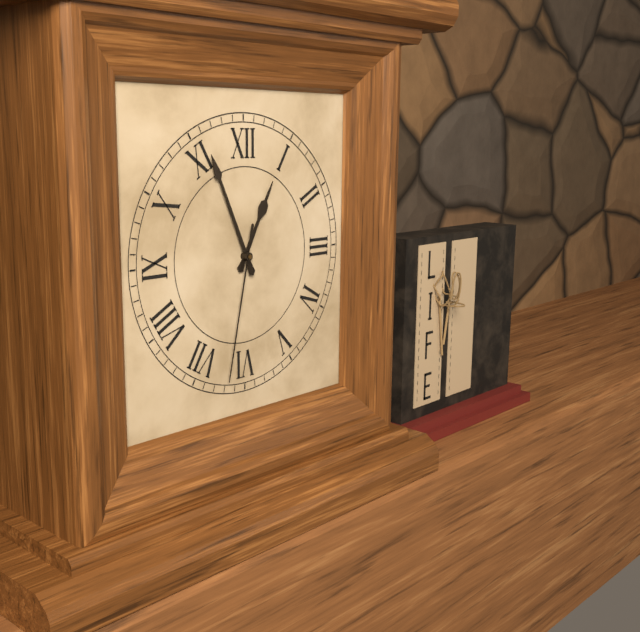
12:56:32
